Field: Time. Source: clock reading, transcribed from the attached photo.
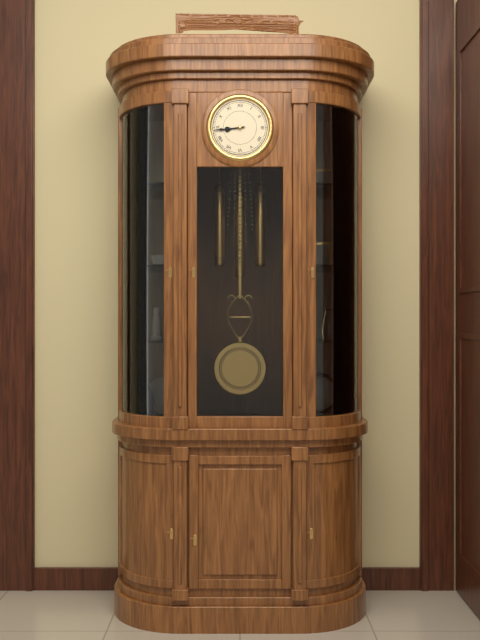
8:44
